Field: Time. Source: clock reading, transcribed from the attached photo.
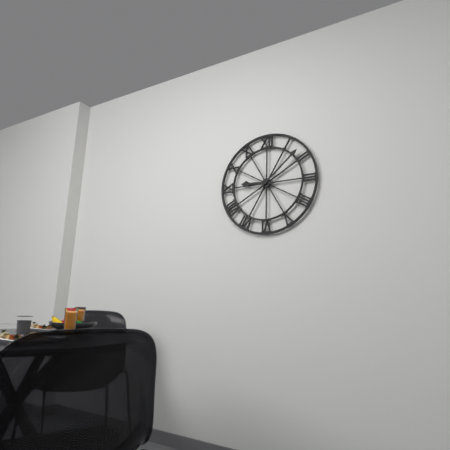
9:08
